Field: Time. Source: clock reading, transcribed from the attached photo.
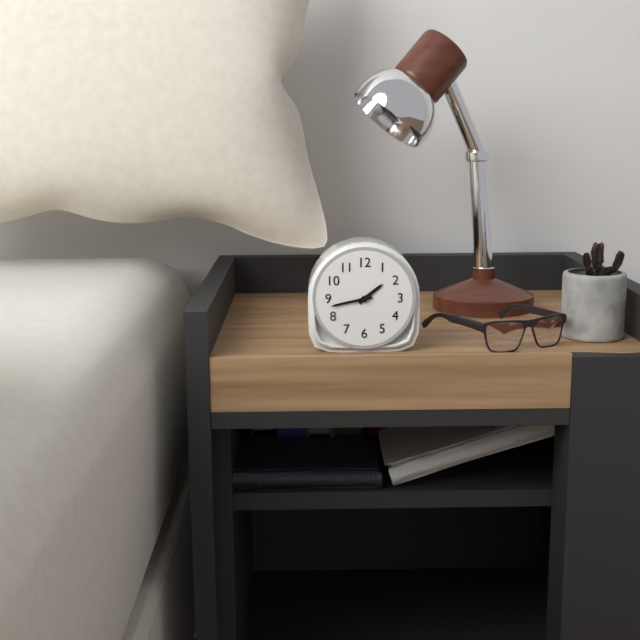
1:43
